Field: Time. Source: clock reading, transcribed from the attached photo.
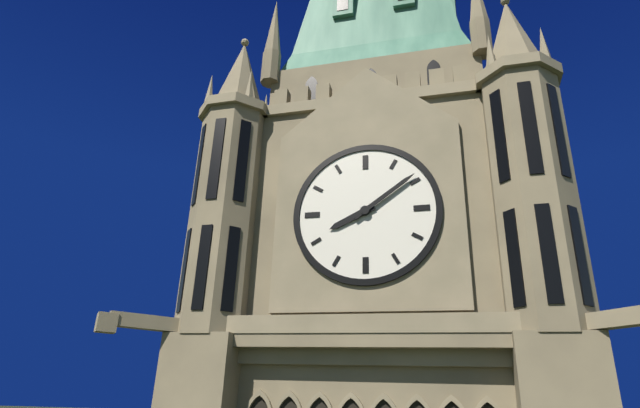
8:09
